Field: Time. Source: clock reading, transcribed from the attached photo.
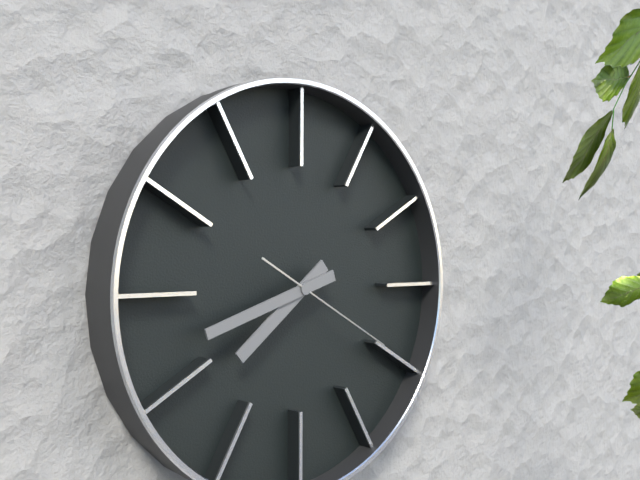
7:42:20
